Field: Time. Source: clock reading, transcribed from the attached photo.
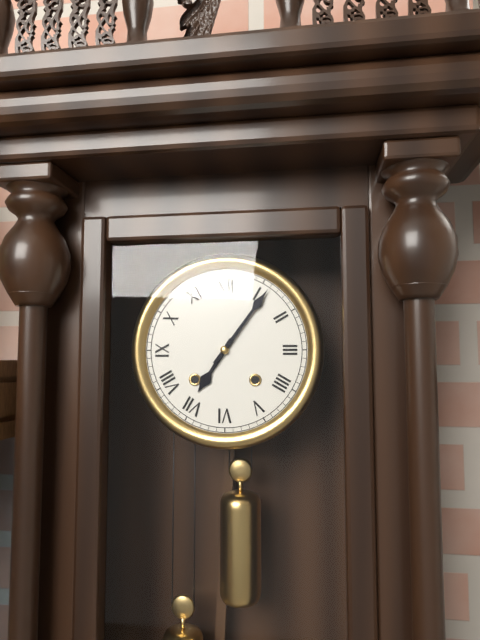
7:06
